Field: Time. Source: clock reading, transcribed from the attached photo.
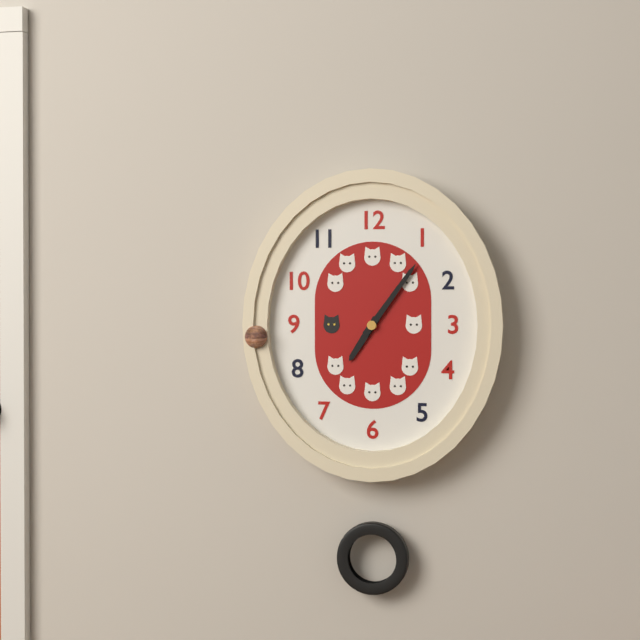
7:06
